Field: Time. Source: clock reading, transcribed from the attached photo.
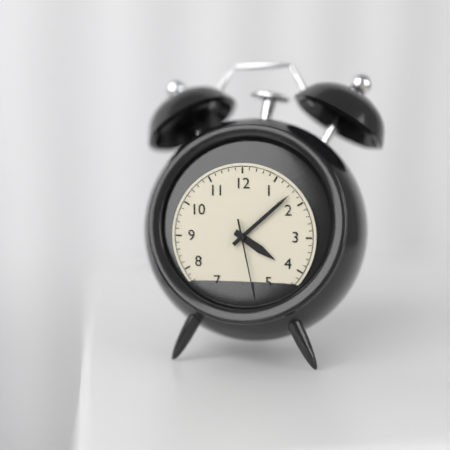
4:08:28
